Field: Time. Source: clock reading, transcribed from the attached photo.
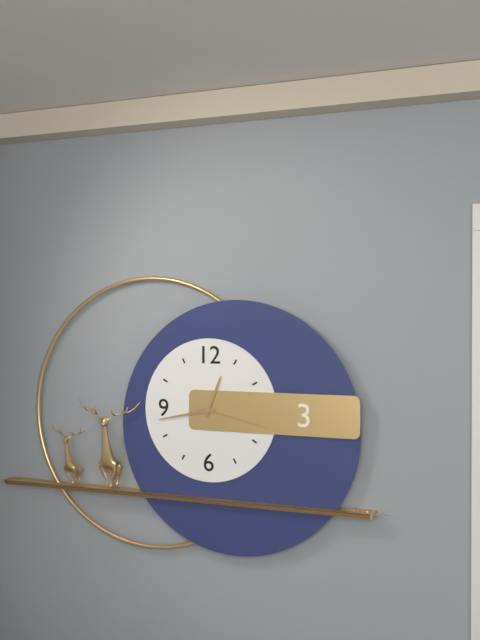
12:43:17
